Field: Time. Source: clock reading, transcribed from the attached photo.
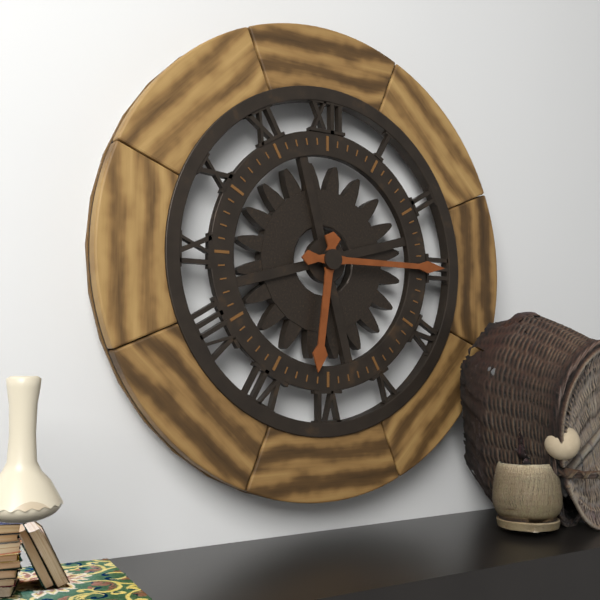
6:15
